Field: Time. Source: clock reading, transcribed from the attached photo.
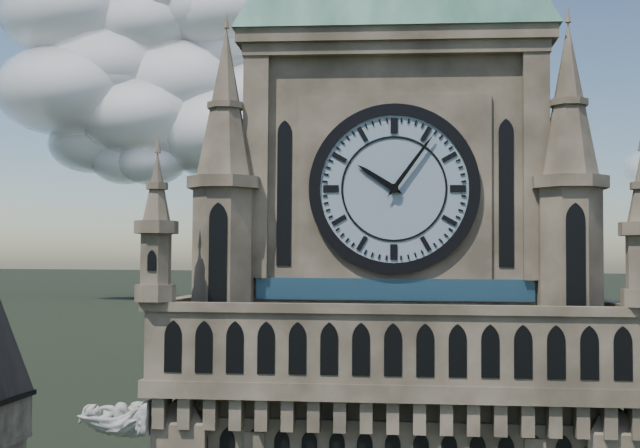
10:06
